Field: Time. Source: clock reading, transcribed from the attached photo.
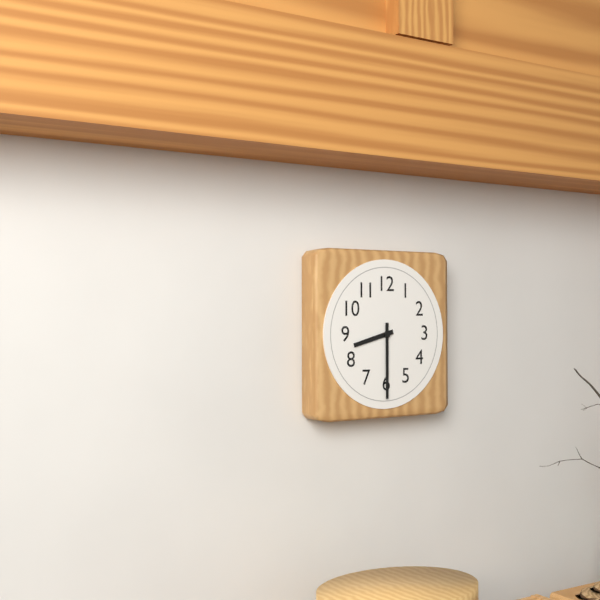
8:30
